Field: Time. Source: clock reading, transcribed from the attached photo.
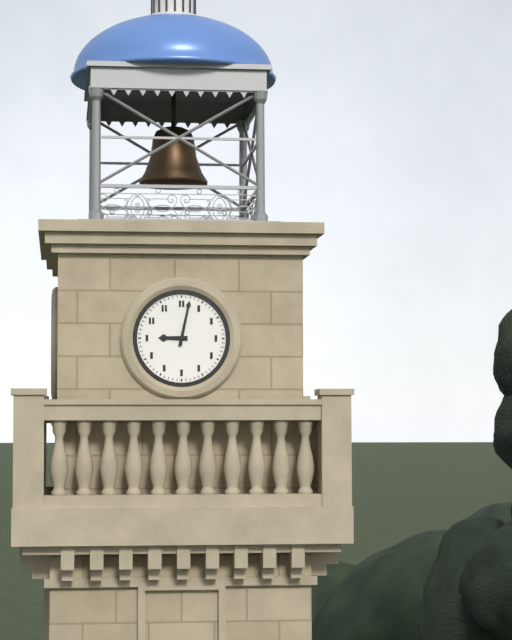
9:02
